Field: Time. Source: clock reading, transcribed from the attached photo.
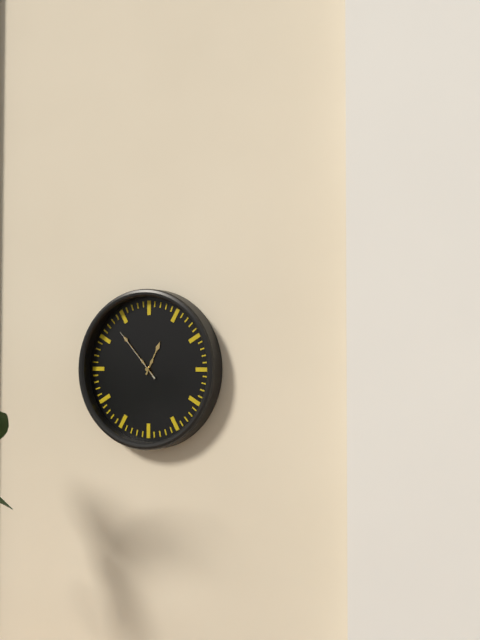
12:53:53
